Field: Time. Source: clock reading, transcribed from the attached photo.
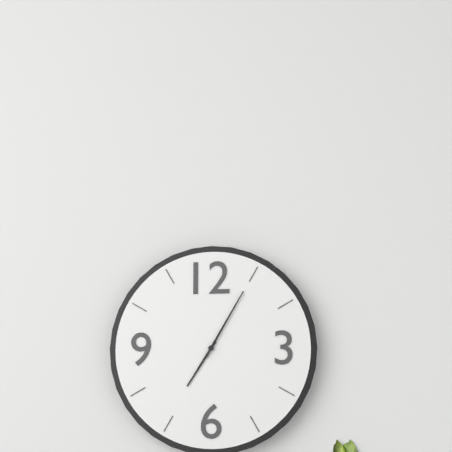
7:05
